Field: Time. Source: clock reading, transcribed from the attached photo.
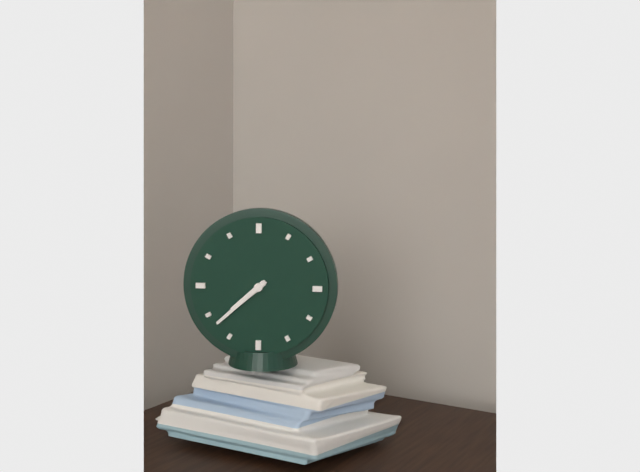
7:38
